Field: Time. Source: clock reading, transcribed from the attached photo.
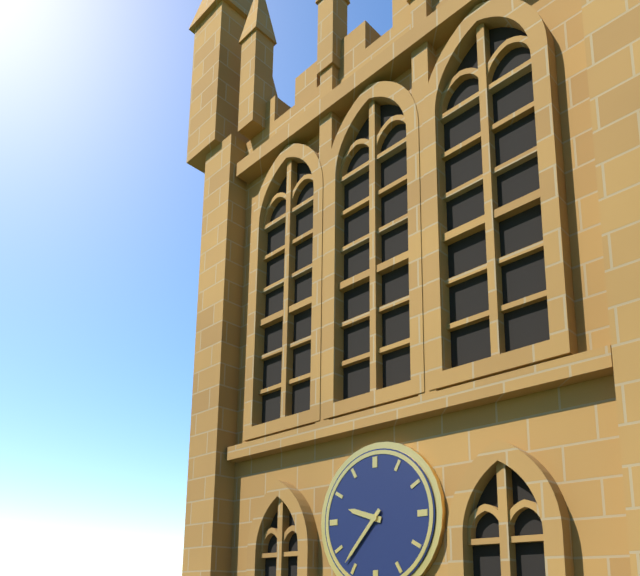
9:37
